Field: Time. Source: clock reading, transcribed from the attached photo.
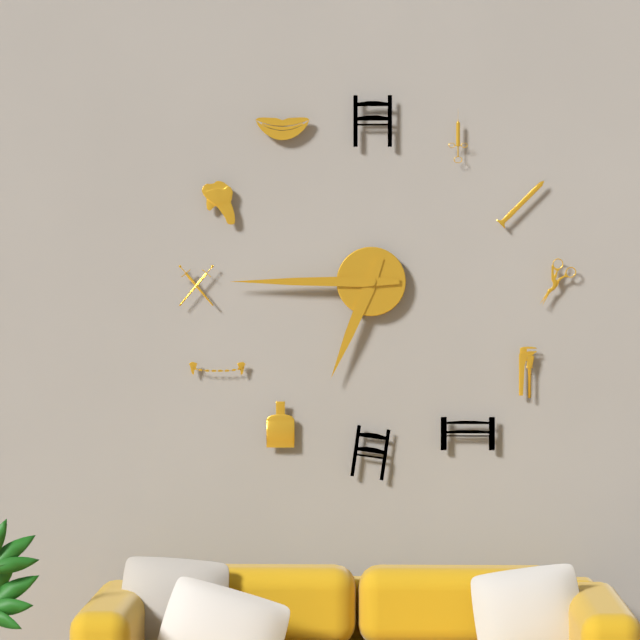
6:45
